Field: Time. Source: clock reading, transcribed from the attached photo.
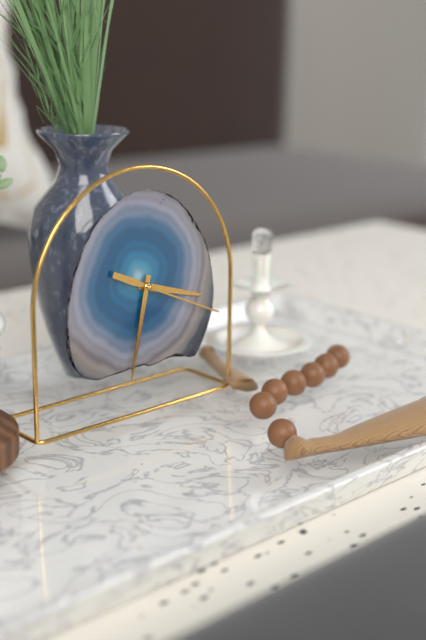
3:32:19
